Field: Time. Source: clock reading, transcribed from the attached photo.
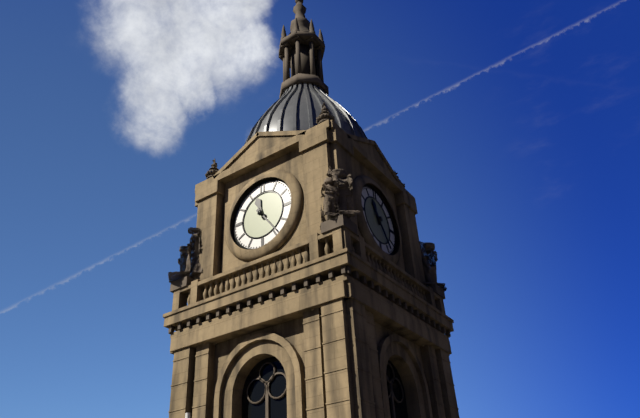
11:24
